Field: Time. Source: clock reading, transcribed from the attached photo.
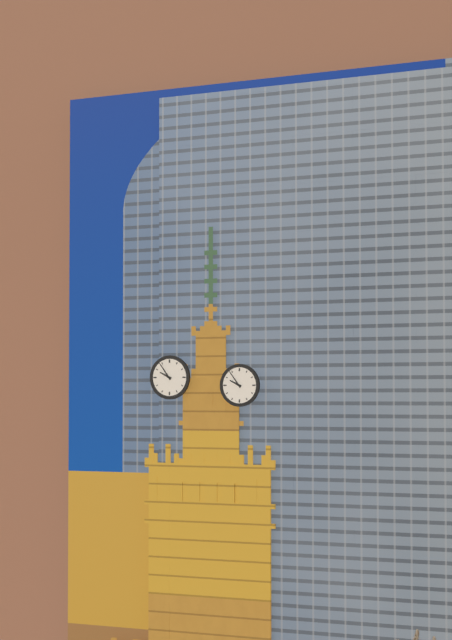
9:54
